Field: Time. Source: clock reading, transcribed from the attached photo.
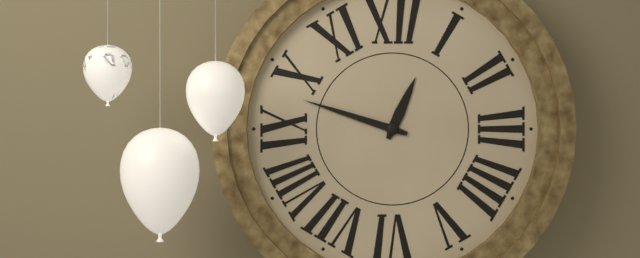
12:48
